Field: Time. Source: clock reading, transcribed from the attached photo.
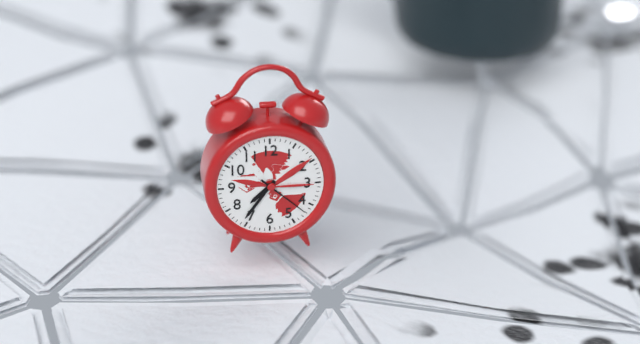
7:36:22
